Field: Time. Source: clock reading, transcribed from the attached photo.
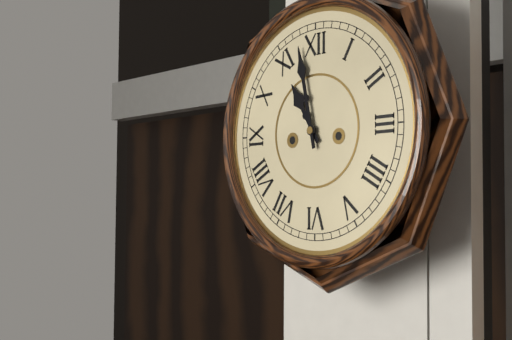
10:58
